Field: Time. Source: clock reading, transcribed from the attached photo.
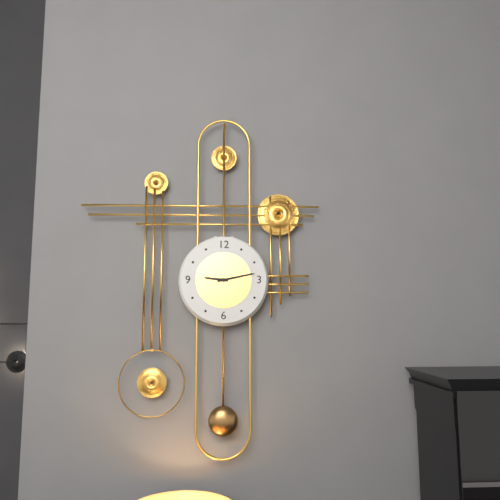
9:13
